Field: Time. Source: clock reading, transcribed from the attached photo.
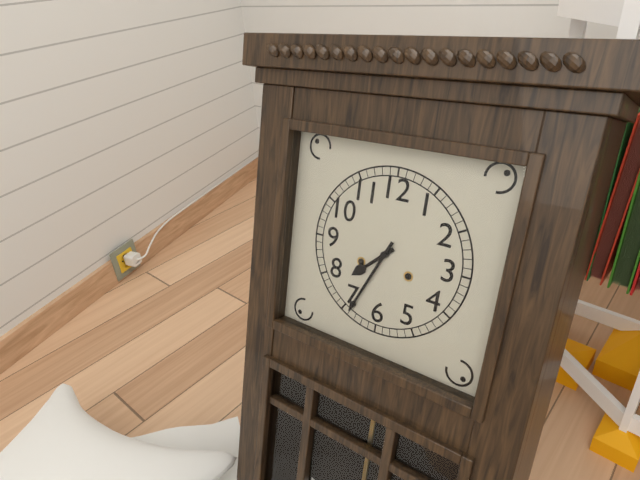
7:34
